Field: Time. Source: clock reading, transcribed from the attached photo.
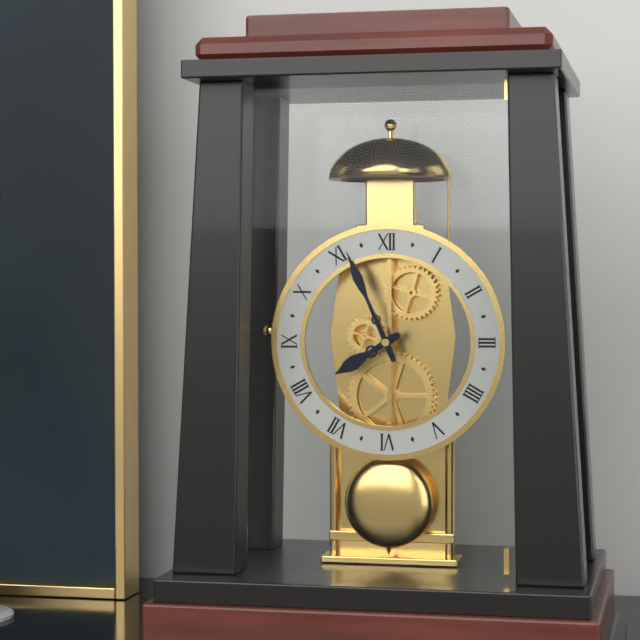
7:56
